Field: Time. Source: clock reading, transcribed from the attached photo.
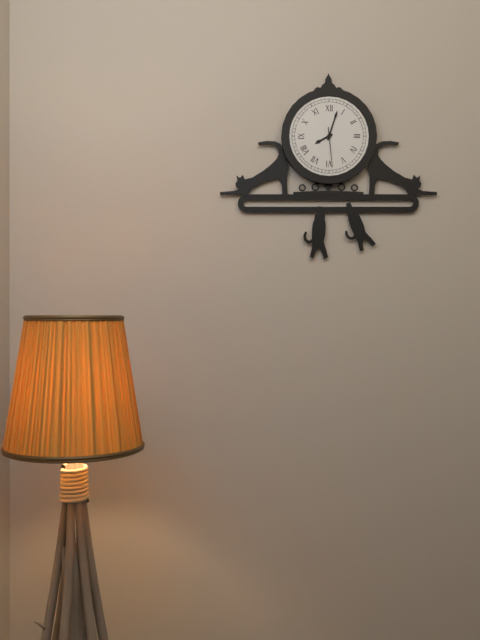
8:03
